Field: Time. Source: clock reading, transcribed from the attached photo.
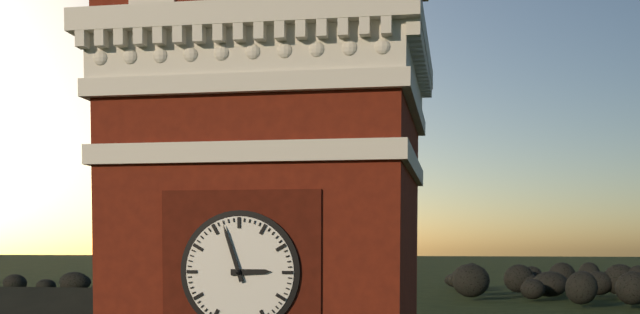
2:57
